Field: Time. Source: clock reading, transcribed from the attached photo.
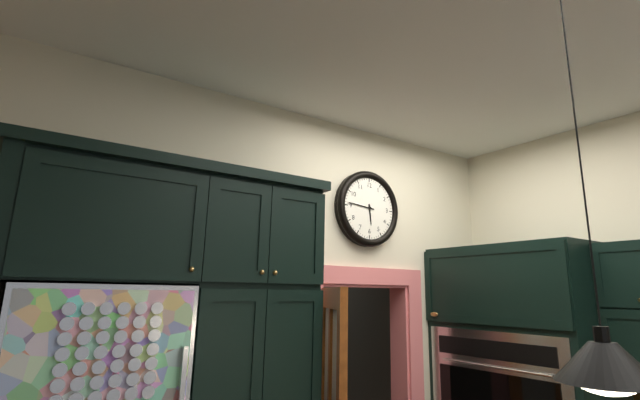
5:46
